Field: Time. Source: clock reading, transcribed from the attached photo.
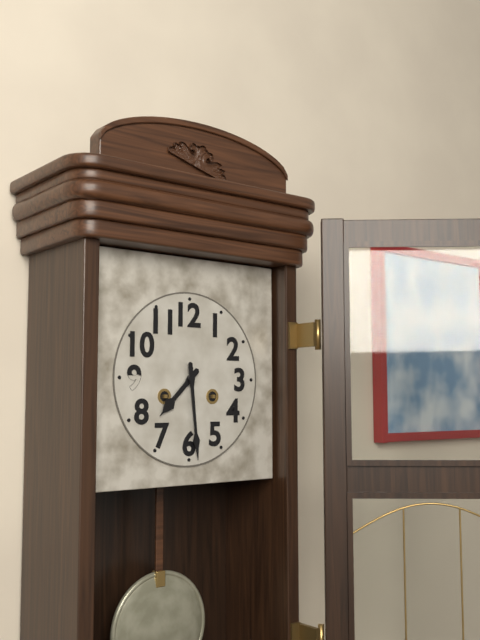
7:29
